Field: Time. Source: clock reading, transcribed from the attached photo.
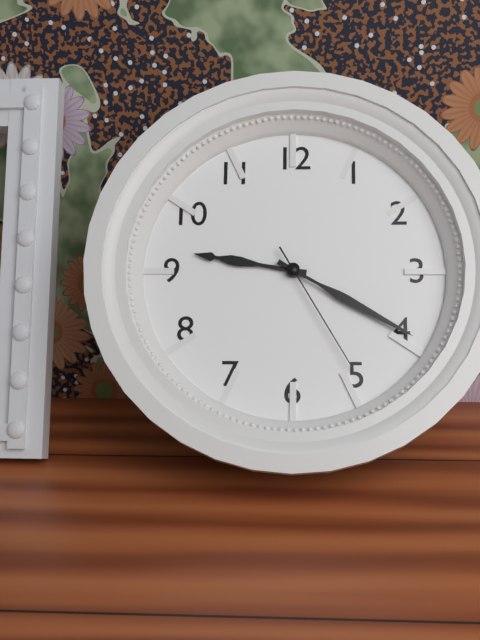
9:20:25
